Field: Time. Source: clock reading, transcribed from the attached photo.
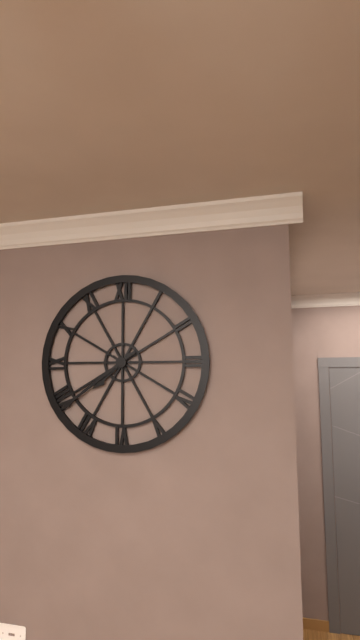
7:39
